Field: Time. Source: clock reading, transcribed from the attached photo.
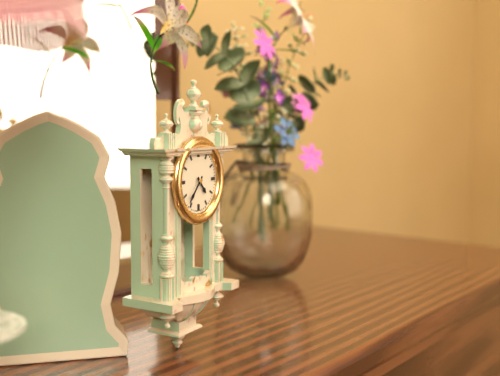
4:37
